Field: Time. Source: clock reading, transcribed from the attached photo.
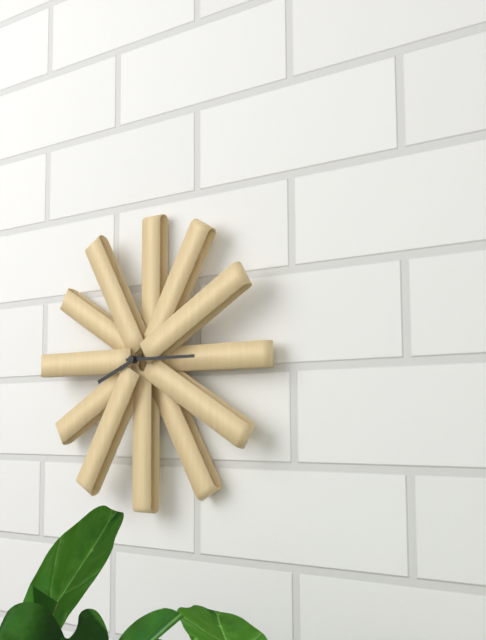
8:15
